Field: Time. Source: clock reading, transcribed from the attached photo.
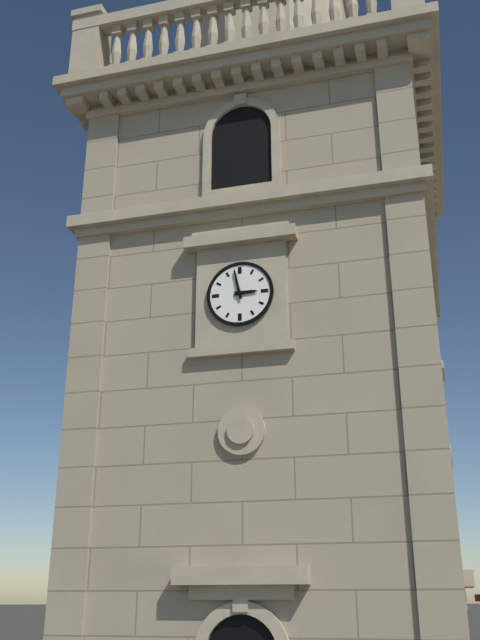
2:58
